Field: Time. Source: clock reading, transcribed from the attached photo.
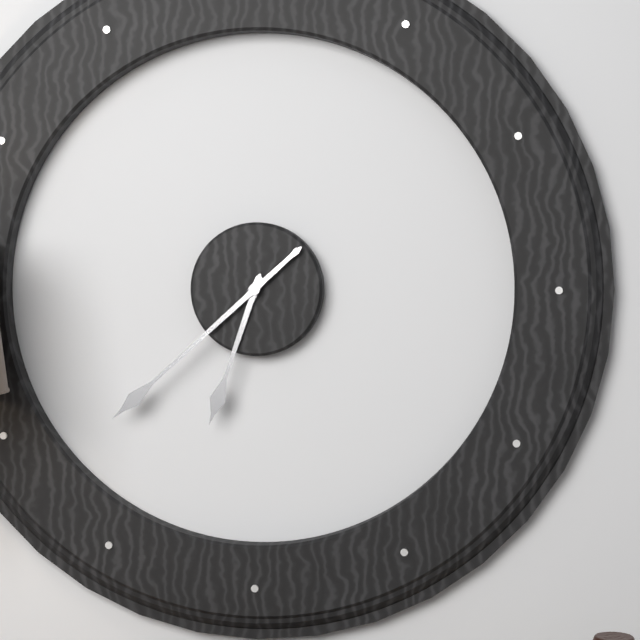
6:38
